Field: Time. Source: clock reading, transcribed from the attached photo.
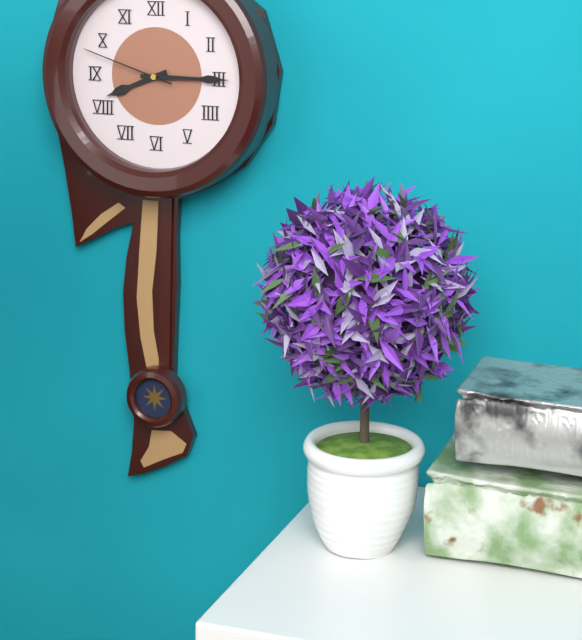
8:15:48
